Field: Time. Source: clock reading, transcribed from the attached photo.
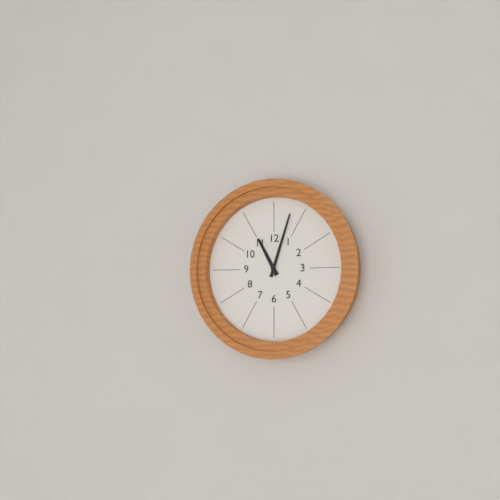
11:03
